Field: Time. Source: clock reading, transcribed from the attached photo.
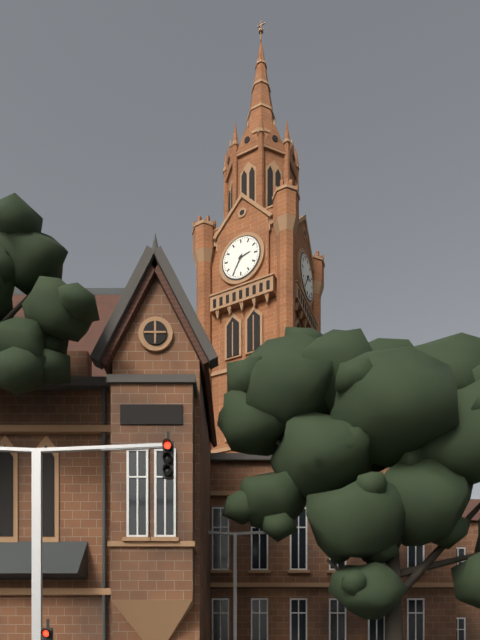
2:35
